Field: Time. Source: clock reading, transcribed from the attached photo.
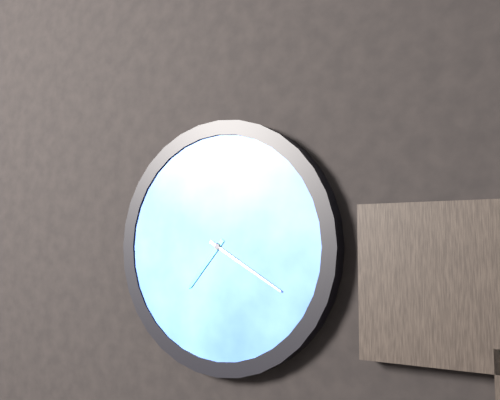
7:20
